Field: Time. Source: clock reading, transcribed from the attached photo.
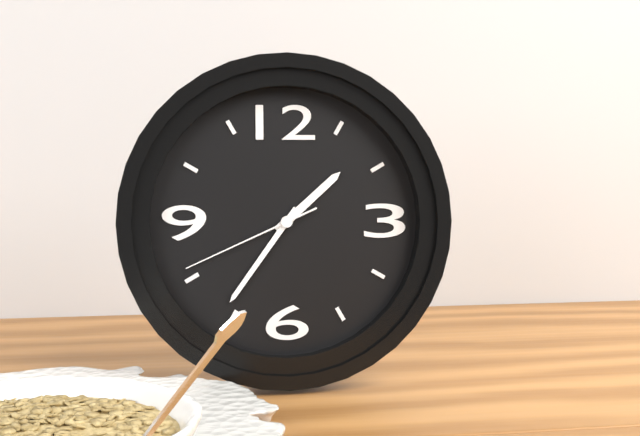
1:36:41
